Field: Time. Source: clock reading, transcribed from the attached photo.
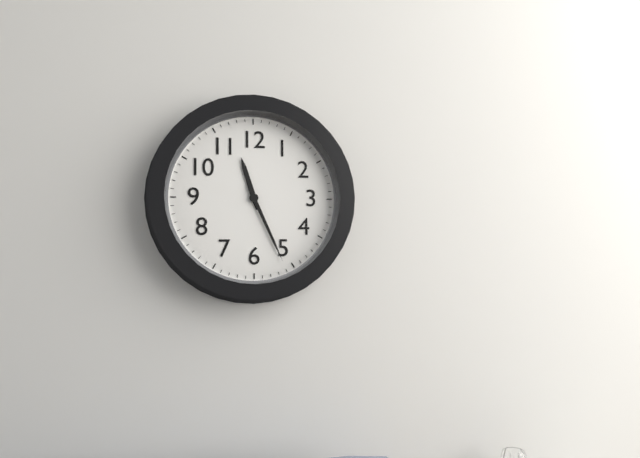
11:26
